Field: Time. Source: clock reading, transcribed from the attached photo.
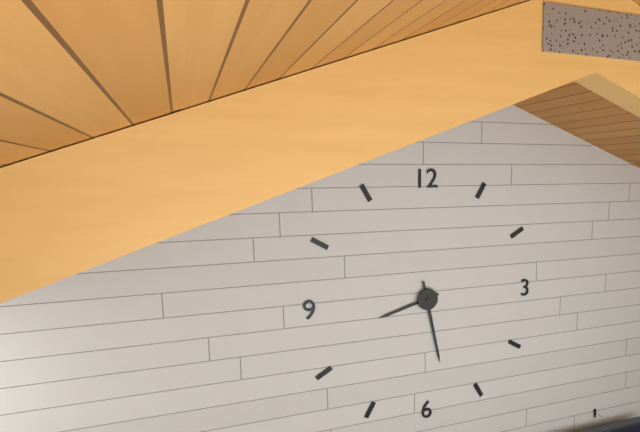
8:28
